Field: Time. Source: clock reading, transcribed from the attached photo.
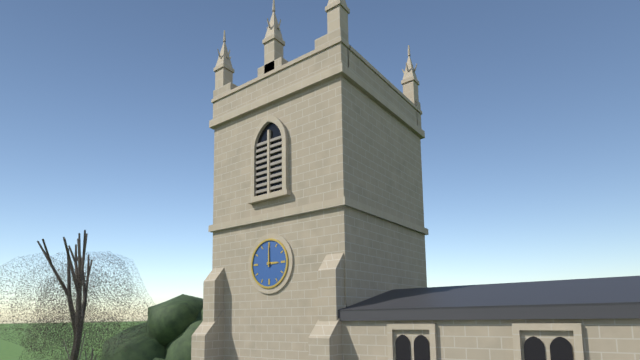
3:00
